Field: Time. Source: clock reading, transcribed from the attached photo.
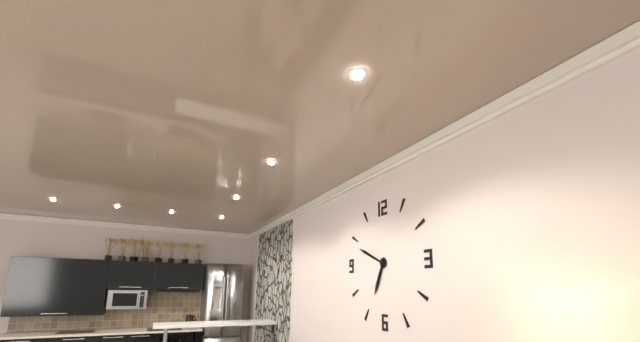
6:49
